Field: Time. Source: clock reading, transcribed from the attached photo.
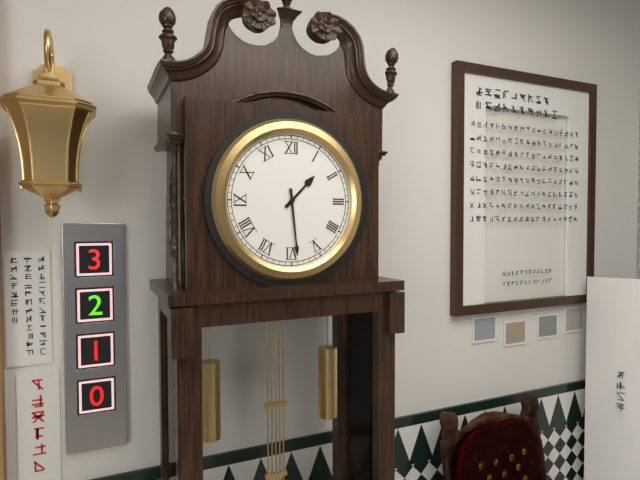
1:29
